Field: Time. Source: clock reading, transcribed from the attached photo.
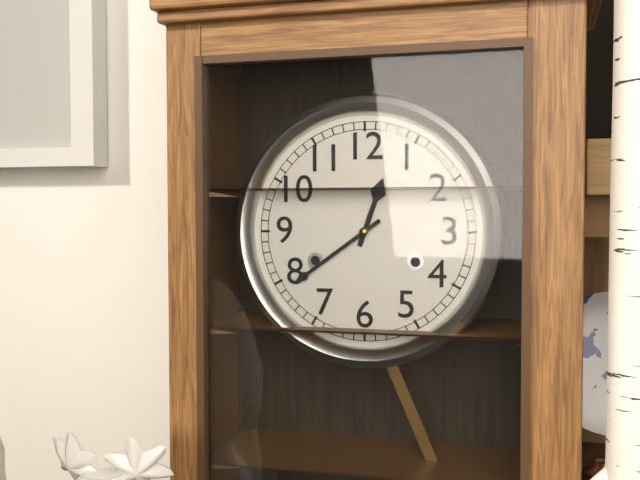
12:39
